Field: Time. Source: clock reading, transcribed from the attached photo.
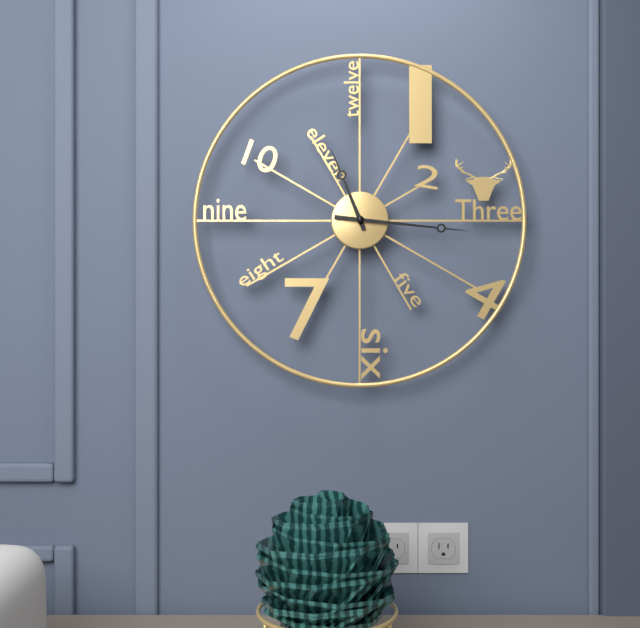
11:16
